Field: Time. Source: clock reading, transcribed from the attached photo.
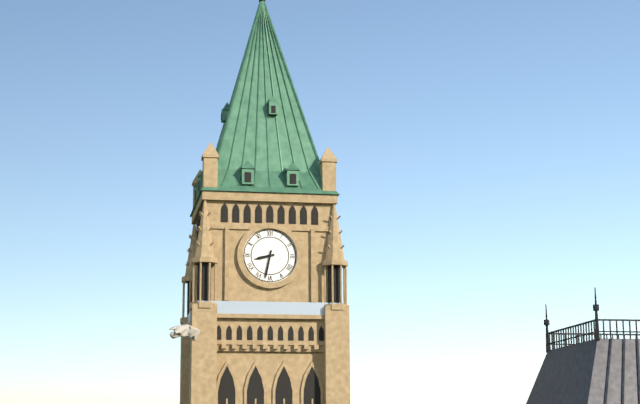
8:32
